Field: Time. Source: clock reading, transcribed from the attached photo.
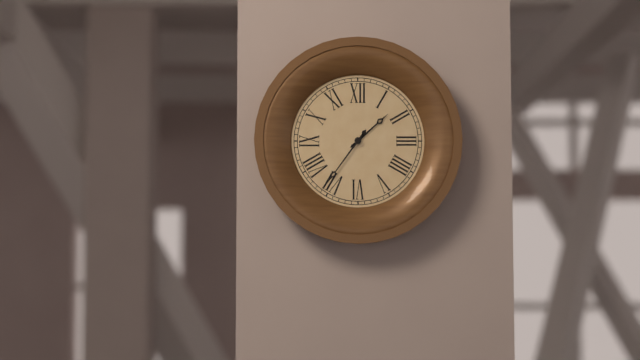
1:36
